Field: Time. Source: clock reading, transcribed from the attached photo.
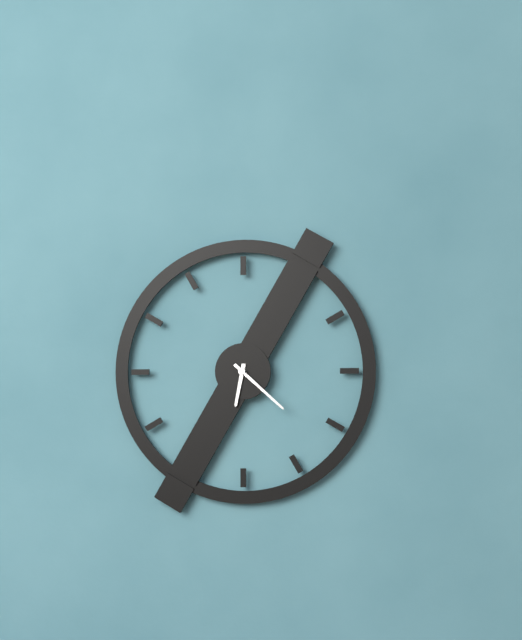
6:22
